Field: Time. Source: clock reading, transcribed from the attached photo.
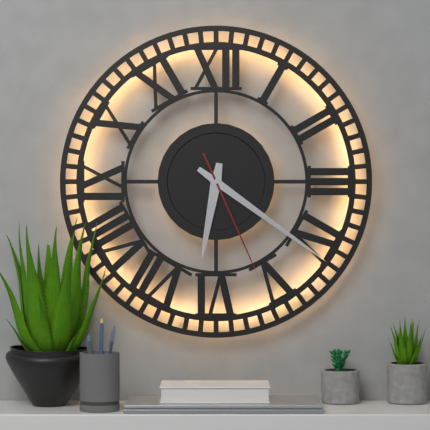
6:21:26
